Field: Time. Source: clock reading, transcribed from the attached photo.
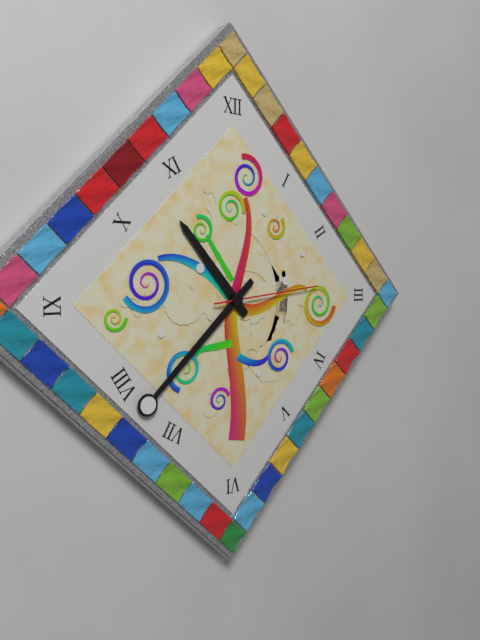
10:38:14
